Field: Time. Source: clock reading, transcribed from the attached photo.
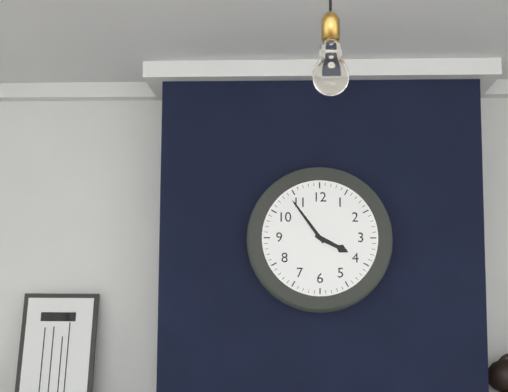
3:54
